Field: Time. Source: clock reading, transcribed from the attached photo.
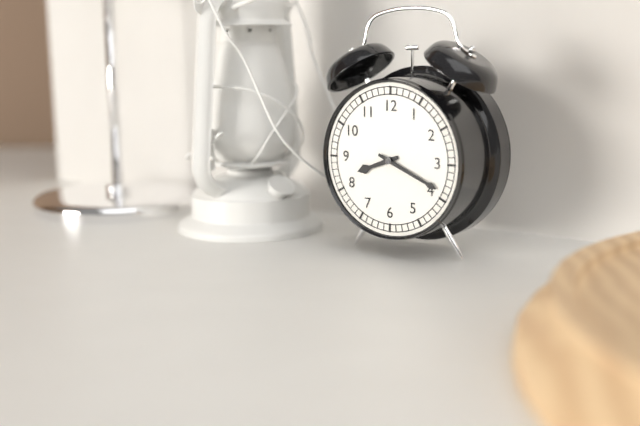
8:19
